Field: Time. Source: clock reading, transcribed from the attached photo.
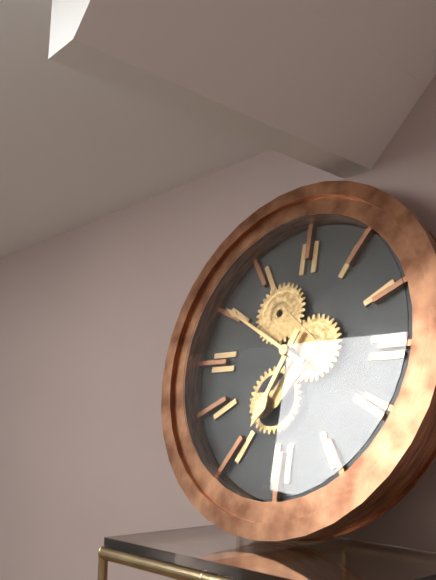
6:50
